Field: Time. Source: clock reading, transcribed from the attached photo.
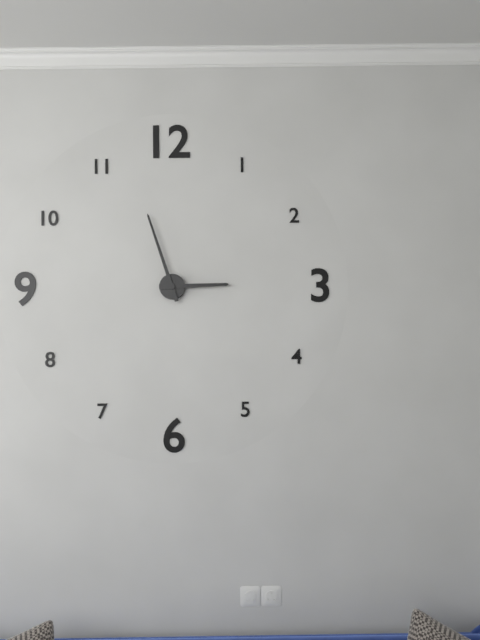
2:57
